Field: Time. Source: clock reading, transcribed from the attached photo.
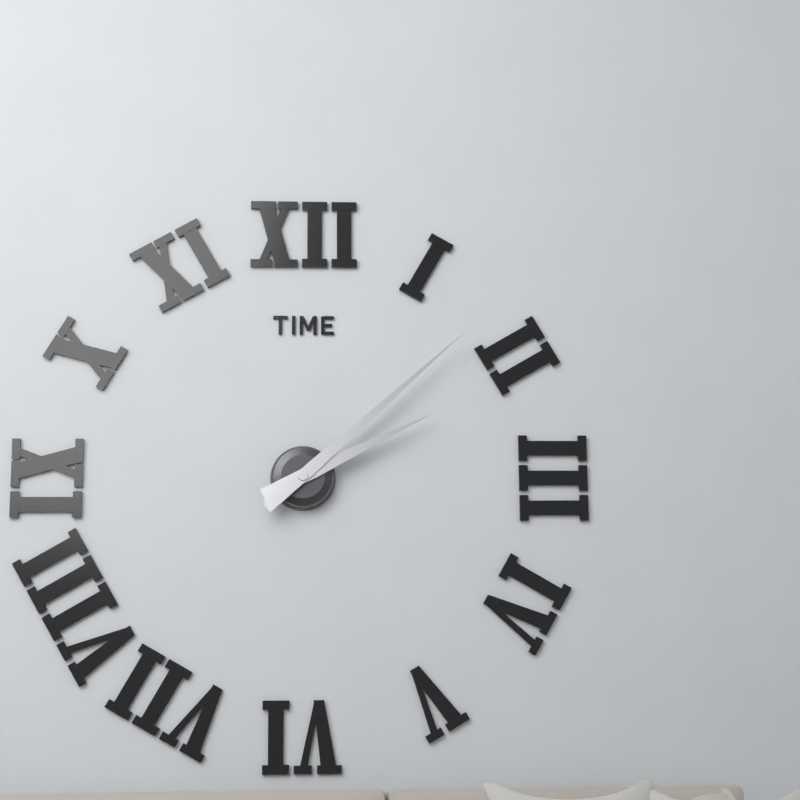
2:08
